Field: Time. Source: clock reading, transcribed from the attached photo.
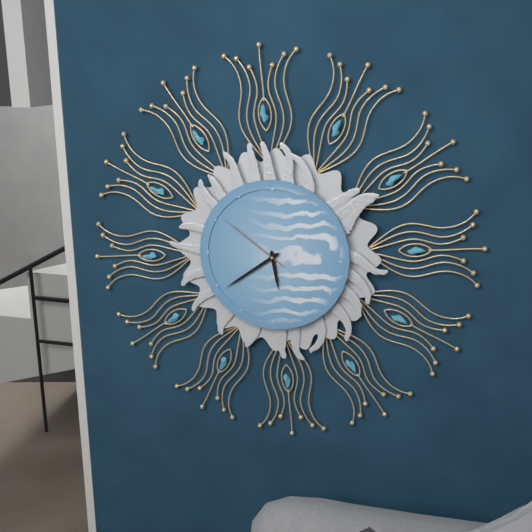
5:39:51
